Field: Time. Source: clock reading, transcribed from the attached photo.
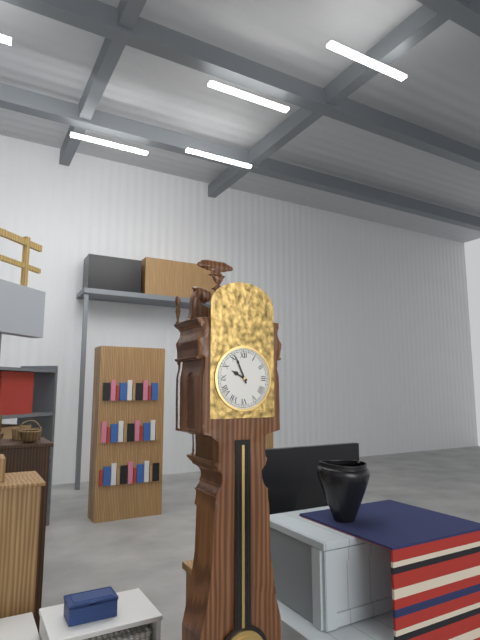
9:56
